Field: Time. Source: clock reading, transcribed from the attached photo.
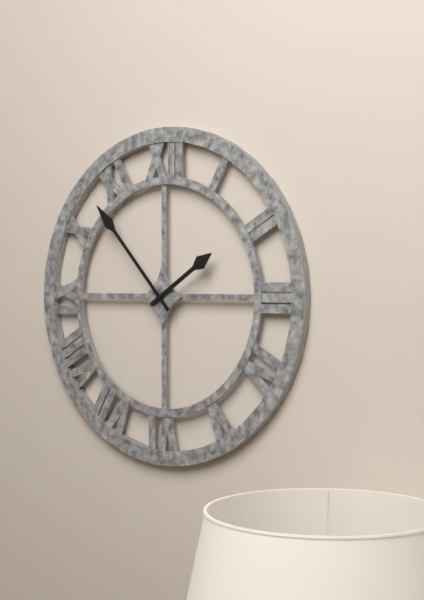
1:53
